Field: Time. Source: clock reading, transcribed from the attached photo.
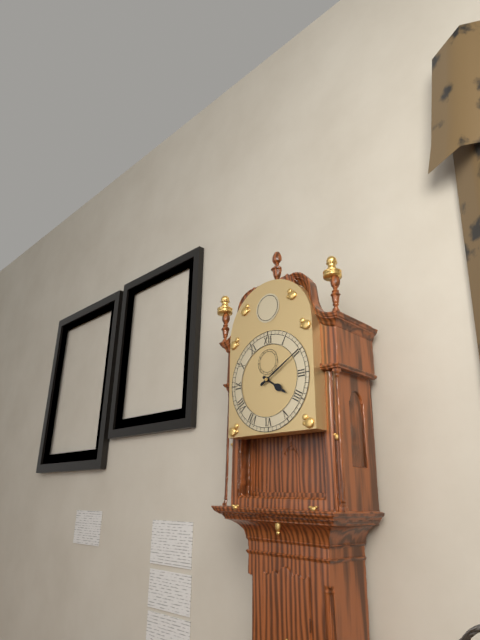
4:10
